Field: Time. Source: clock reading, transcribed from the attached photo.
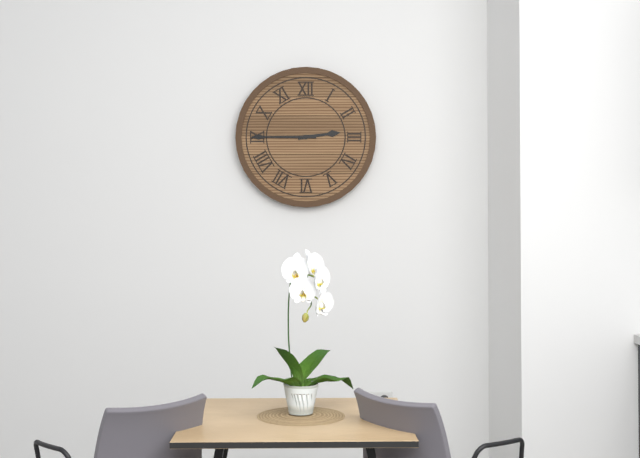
2:45
